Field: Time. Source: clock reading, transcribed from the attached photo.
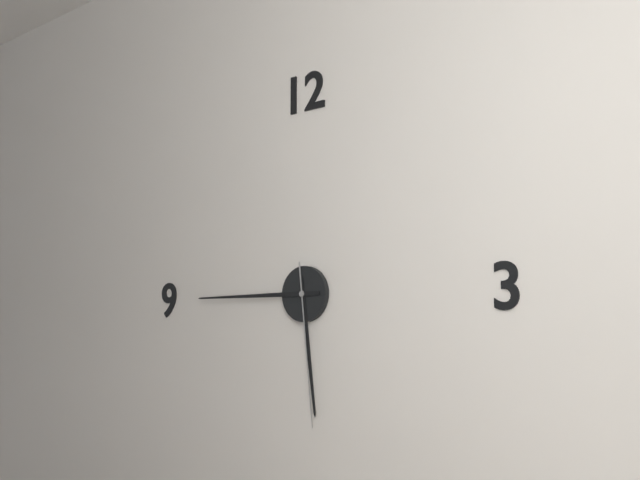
5:45:29
